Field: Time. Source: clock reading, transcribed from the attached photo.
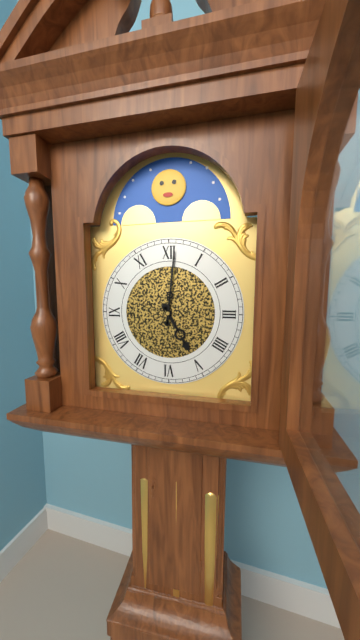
5:01
